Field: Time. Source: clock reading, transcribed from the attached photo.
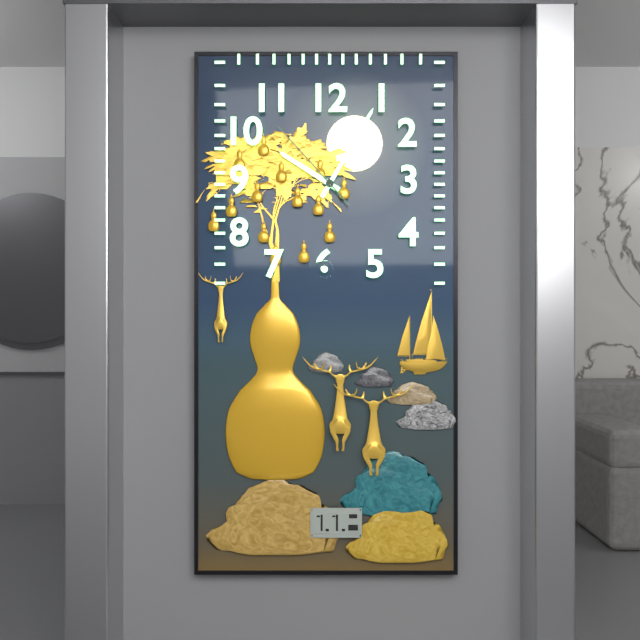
10:05:53
